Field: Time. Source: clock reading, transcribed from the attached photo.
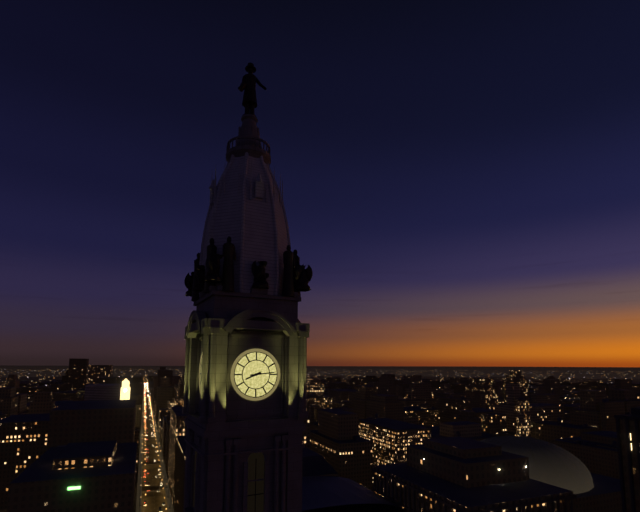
8:14
